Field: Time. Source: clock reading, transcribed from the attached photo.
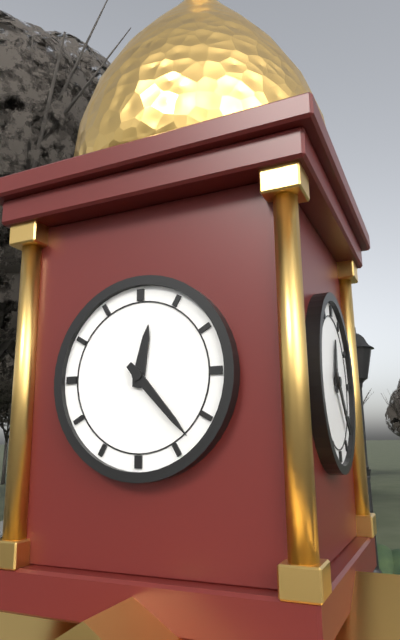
12:23
